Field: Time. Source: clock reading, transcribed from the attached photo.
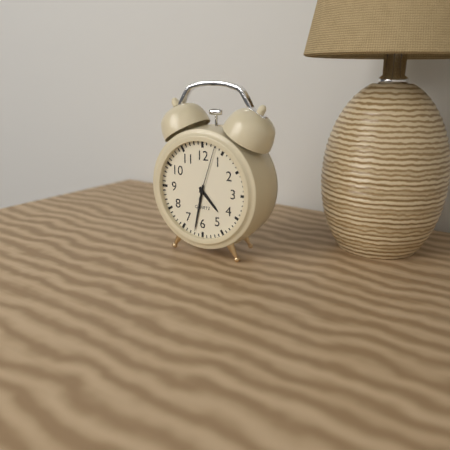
4:32:03
